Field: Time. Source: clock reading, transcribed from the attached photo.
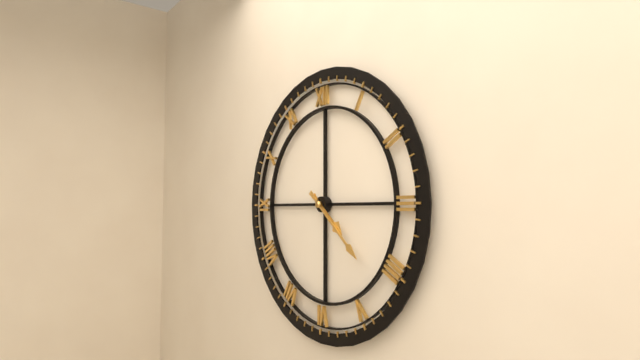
4:22
